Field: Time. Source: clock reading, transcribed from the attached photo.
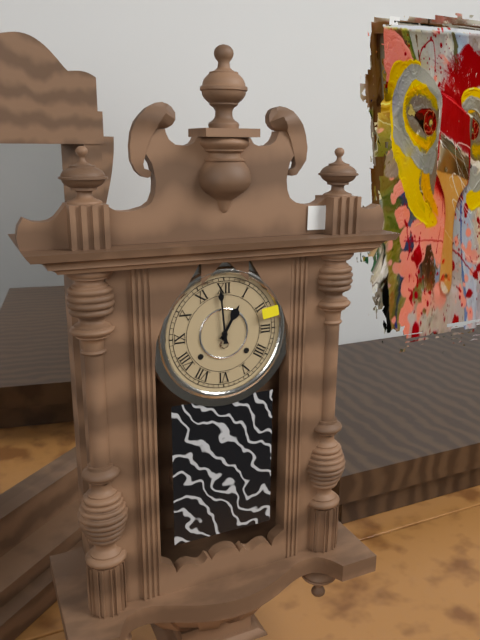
12:59
